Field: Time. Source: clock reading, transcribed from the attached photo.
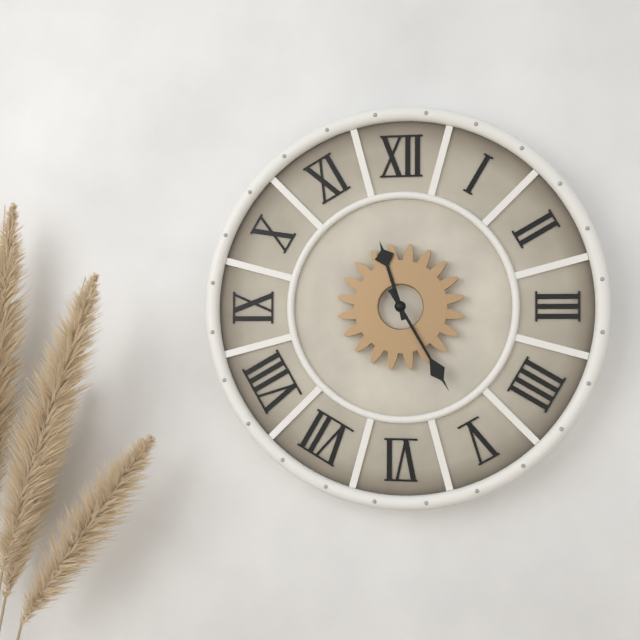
11:25
